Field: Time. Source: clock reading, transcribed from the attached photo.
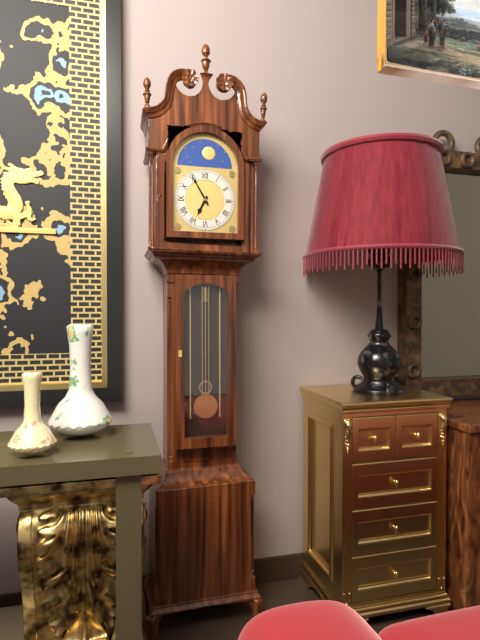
6:55
